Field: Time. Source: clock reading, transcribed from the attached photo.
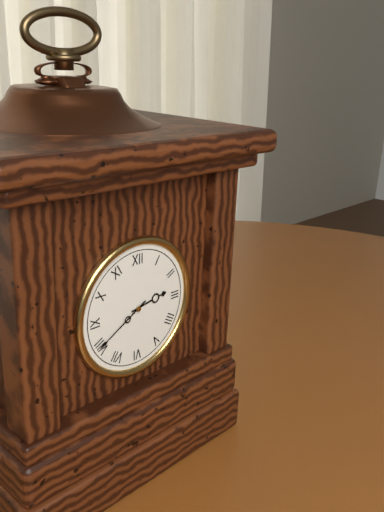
2:40
